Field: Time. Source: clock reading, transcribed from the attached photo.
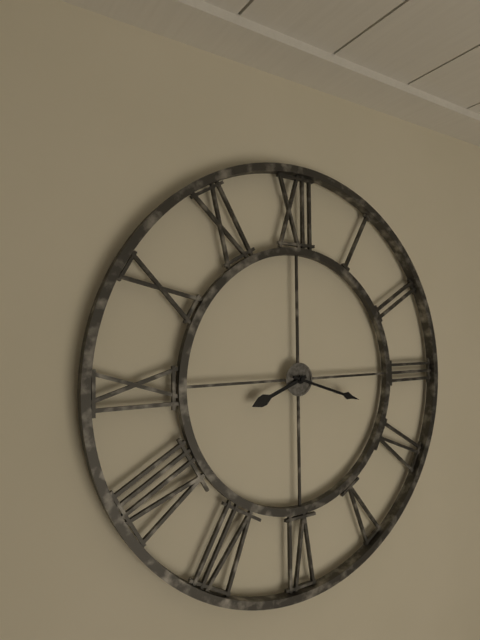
8:18
